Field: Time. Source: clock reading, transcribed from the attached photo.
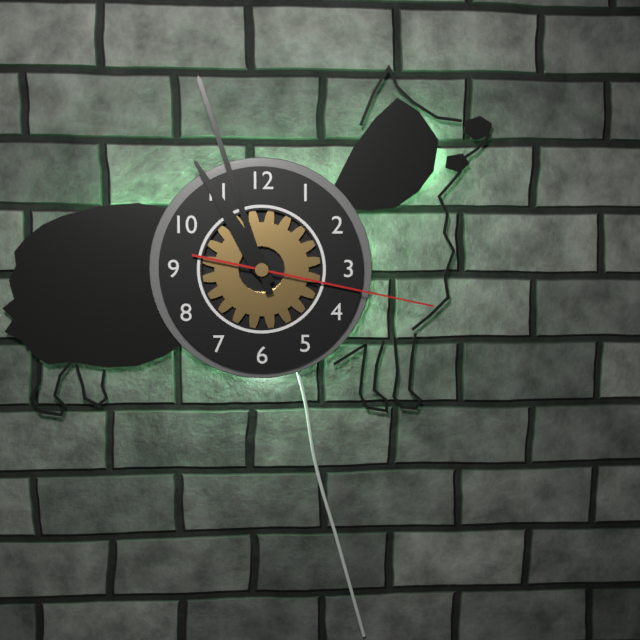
10:57:17
